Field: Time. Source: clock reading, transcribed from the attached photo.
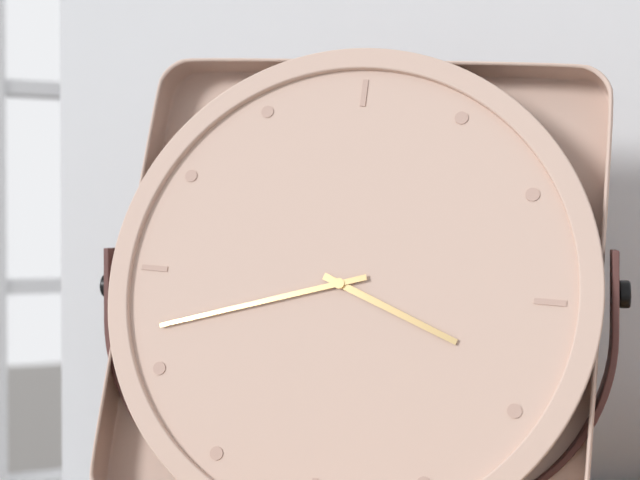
3:42
